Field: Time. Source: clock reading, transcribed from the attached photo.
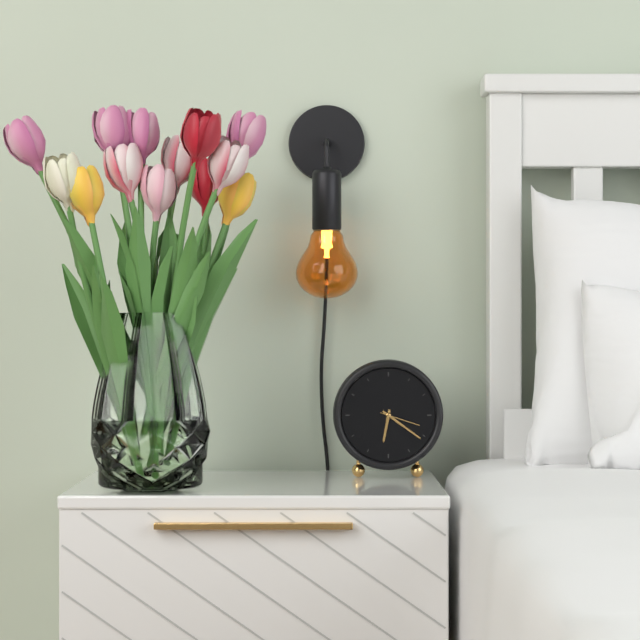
6:21
